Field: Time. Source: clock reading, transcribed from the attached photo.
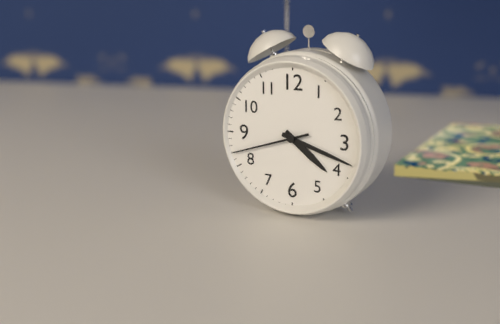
4:18:42
